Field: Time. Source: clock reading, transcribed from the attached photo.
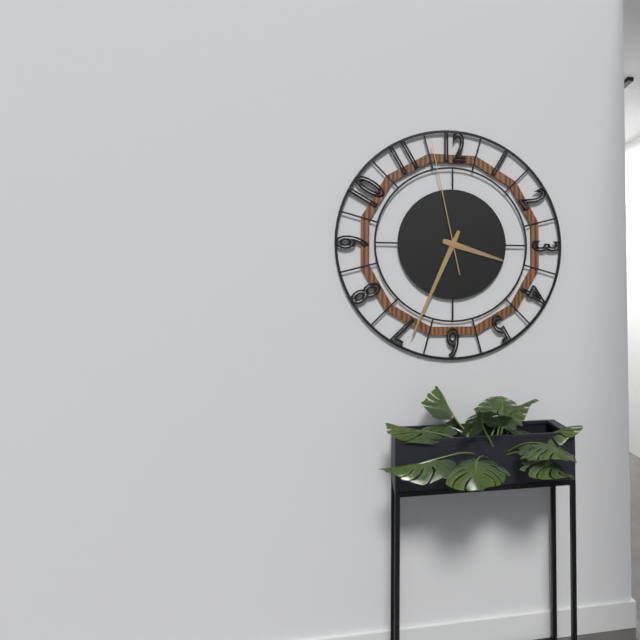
3:34:58
